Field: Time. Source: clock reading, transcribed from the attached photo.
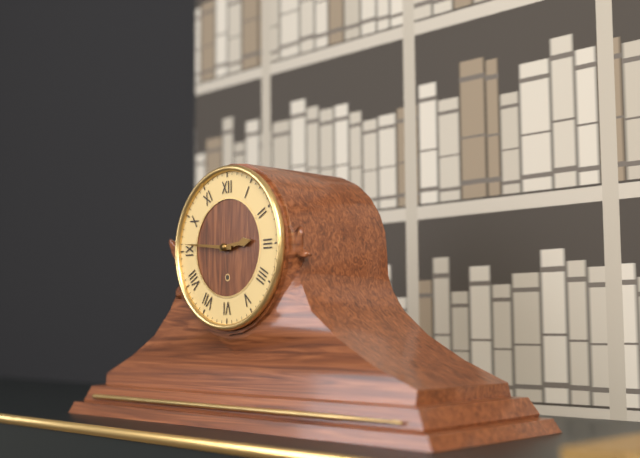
2:46
